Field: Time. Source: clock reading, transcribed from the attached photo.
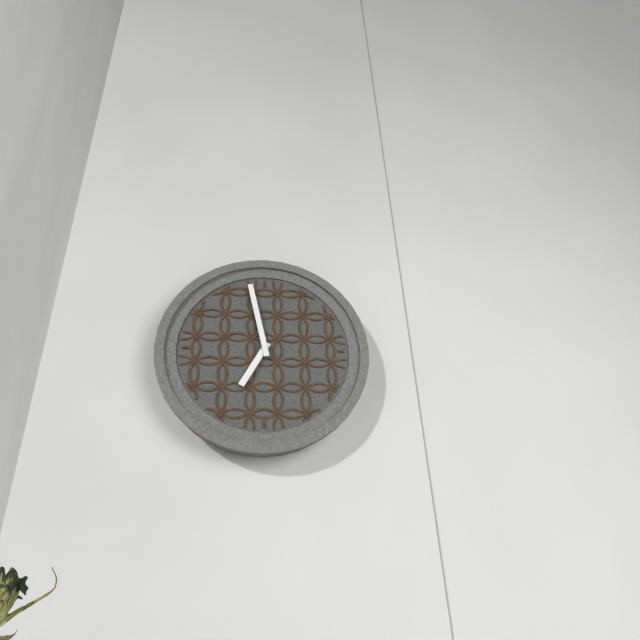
6:58
